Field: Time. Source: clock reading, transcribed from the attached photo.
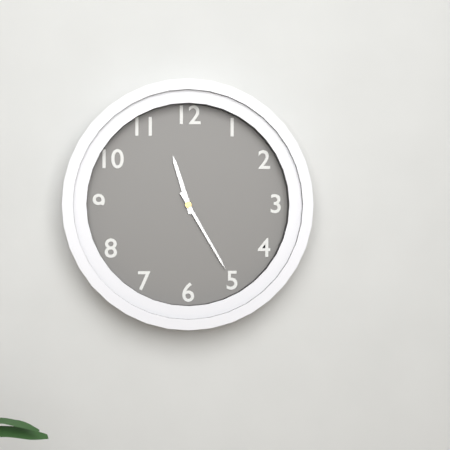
11:25
